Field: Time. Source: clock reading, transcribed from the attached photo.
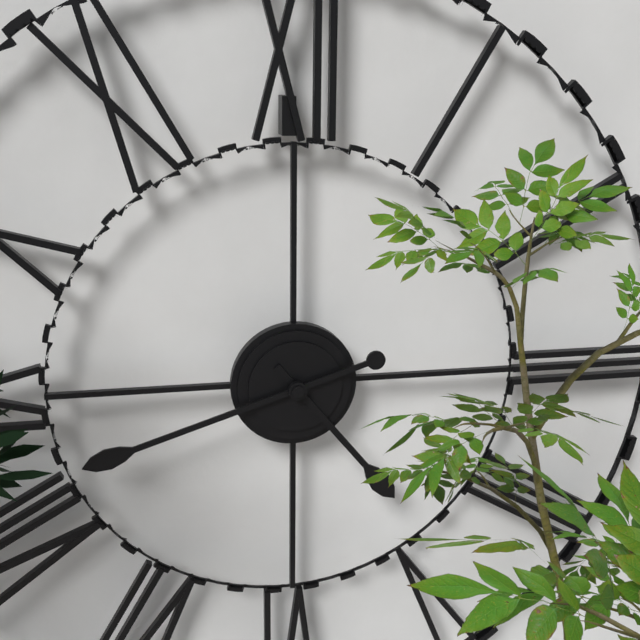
4:42
